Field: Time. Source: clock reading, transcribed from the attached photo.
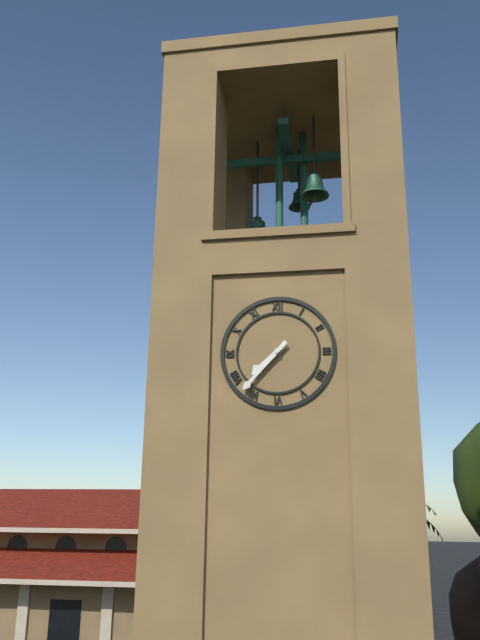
7:37
